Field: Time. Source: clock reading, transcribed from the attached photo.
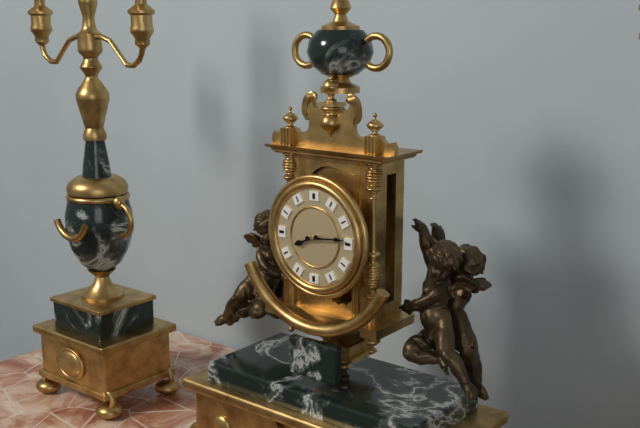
8:14
